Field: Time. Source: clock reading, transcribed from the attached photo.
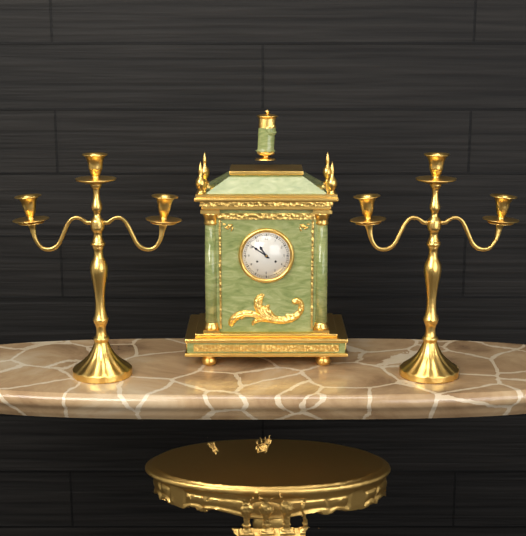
10:51
